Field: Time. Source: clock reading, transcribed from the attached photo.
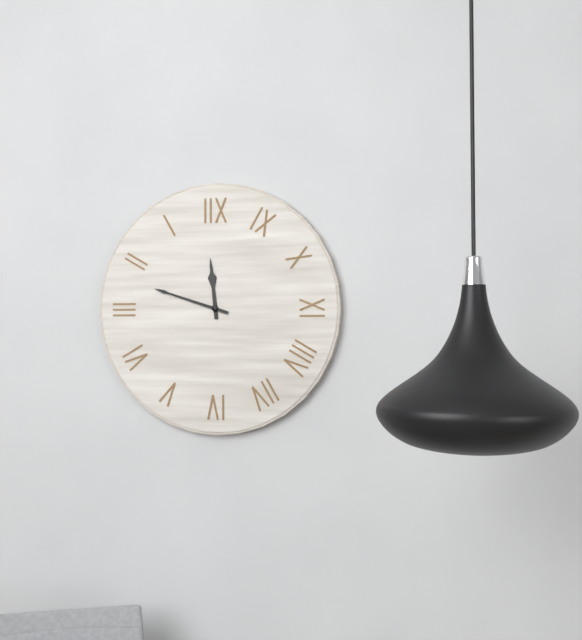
11:48
